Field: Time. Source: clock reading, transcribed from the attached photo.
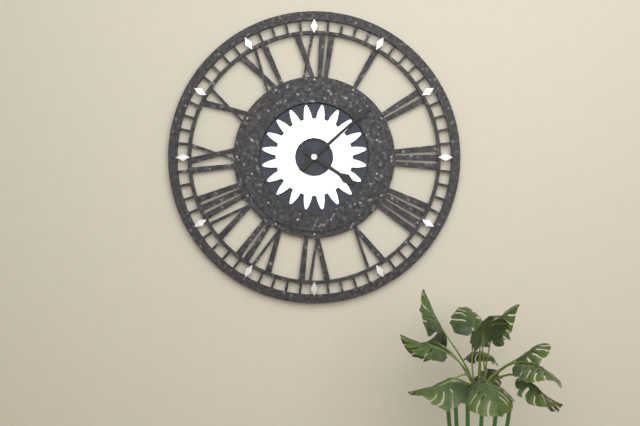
4:08
